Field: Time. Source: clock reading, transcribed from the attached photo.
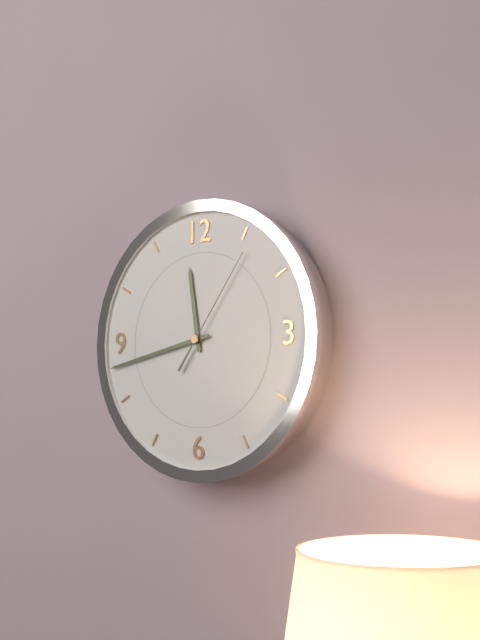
11:43:06
